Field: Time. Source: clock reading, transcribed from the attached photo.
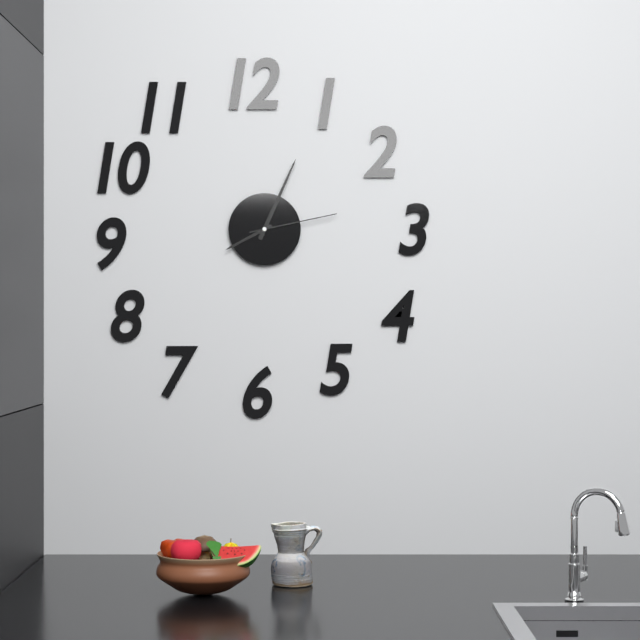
8:04:13
